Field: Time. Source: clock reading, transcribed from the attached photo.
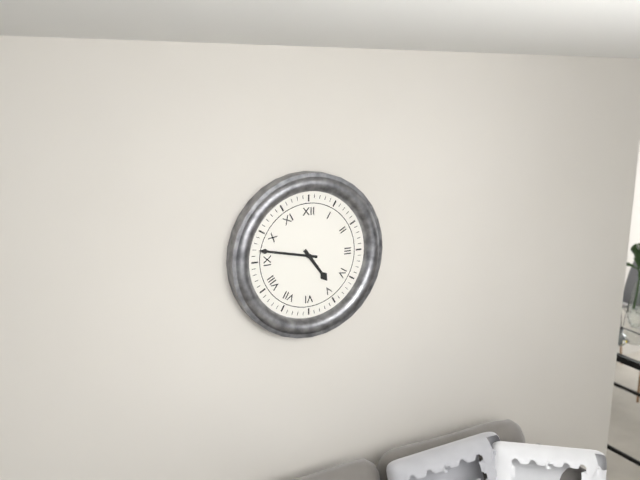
4:47
